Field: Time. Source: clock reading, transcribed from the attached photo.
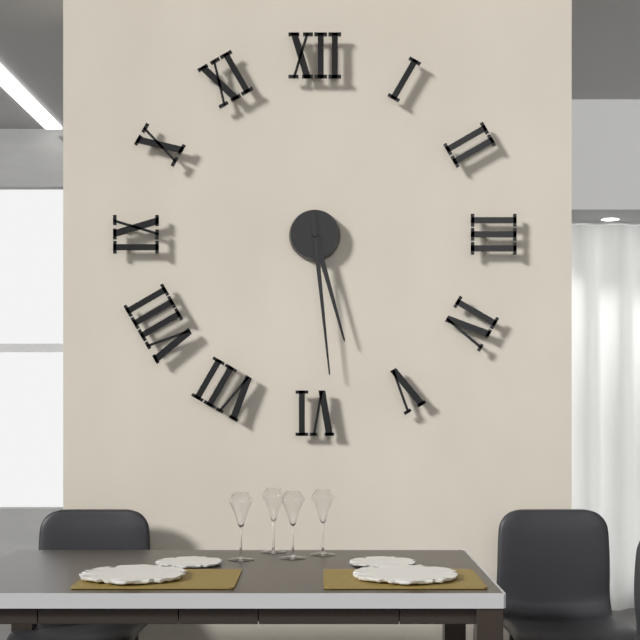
5:29
